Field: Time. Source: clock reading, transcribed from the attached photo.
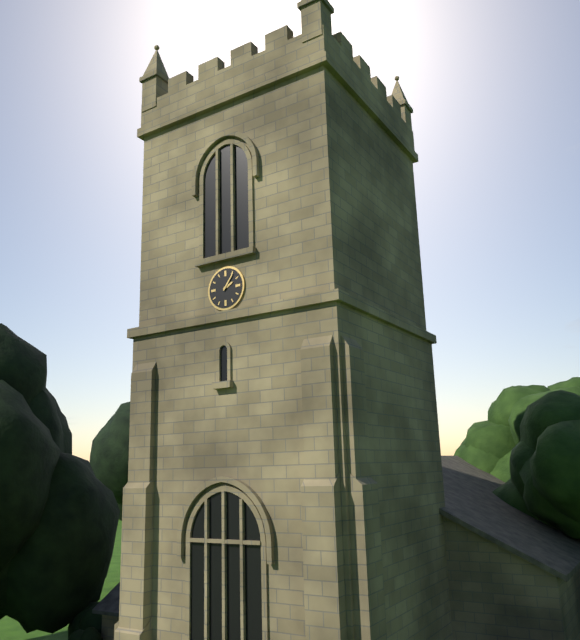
2:06
